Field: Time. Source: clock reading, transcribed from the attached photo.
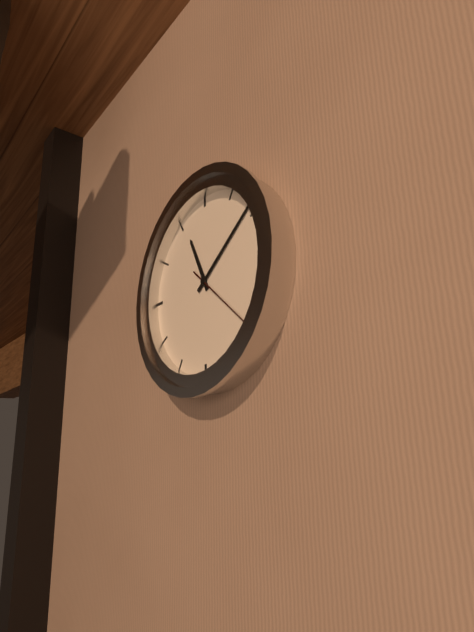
11:09:22
